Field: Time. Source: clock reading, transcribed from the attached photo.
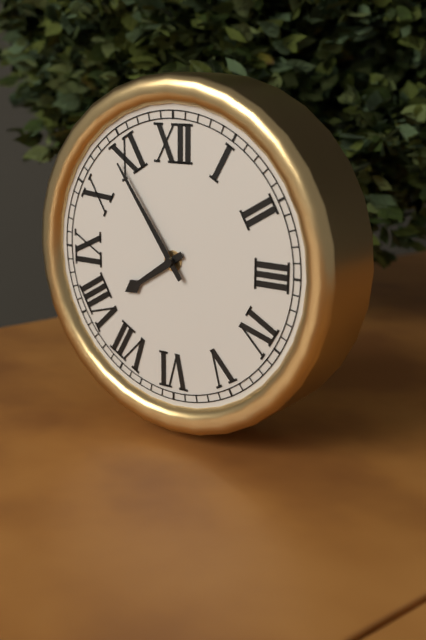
7:54
